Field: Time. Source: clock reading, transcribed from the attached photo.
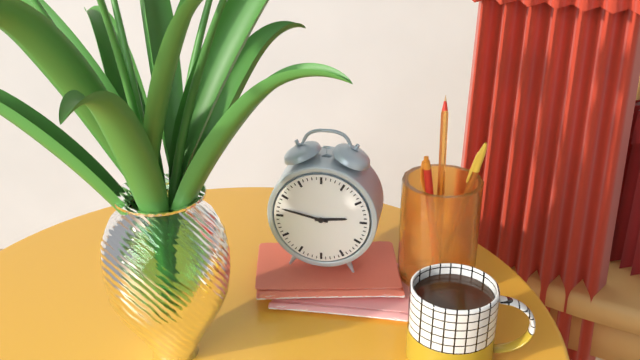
2:47
